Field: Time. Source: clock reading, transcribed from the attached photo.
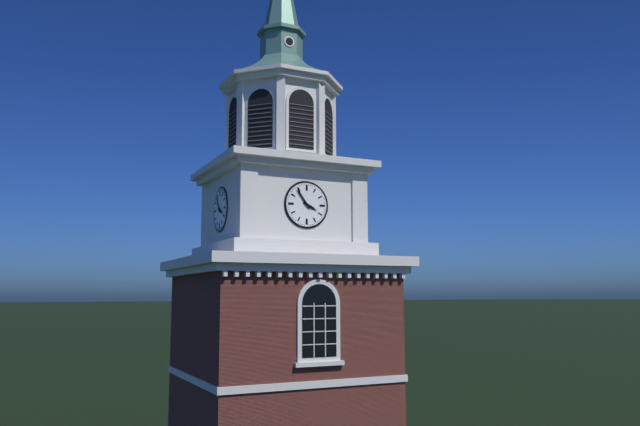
3:54
